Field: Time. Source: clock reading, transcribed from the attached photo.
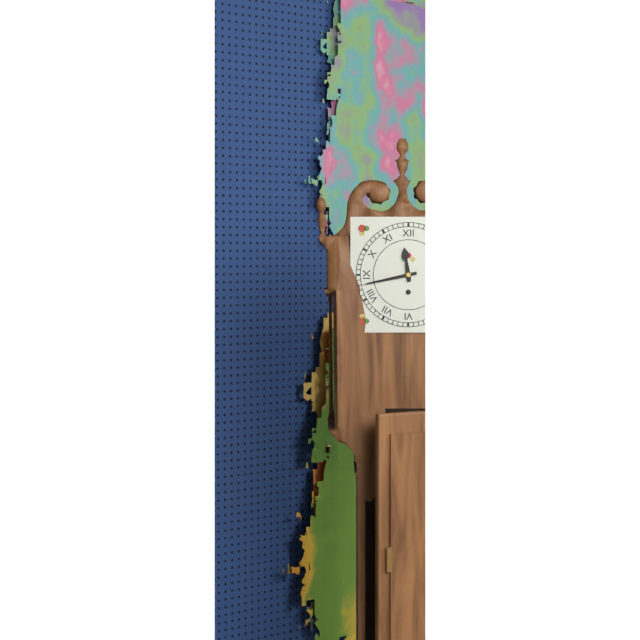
11:43
